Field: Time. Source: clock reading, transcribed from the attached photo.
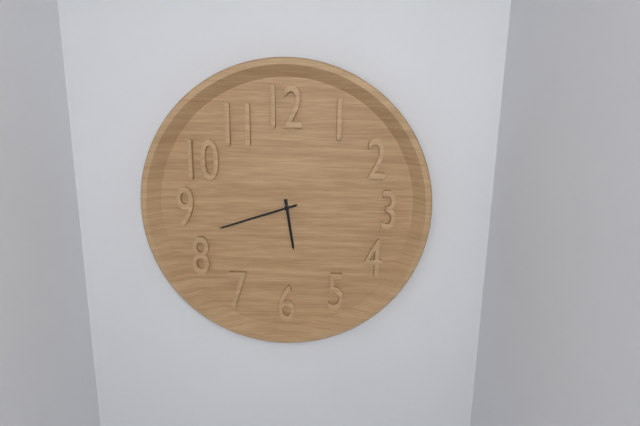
5:42
